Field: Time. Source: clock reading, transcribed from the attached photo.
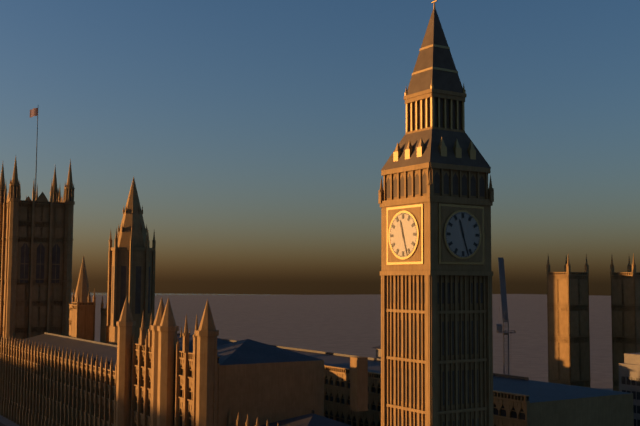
11:27
